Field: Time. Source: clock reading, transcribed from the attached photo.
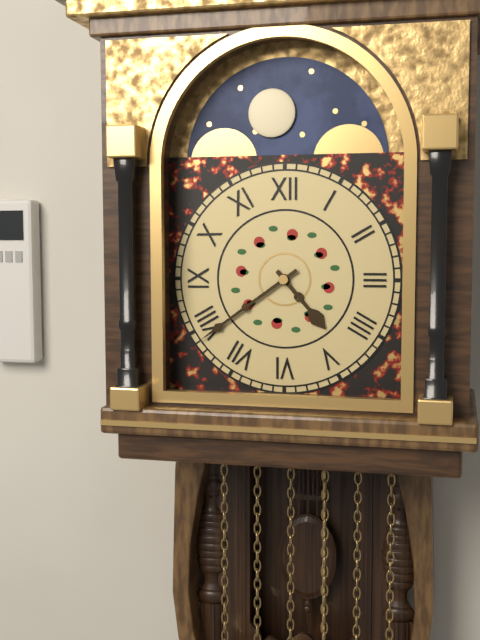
4:39
